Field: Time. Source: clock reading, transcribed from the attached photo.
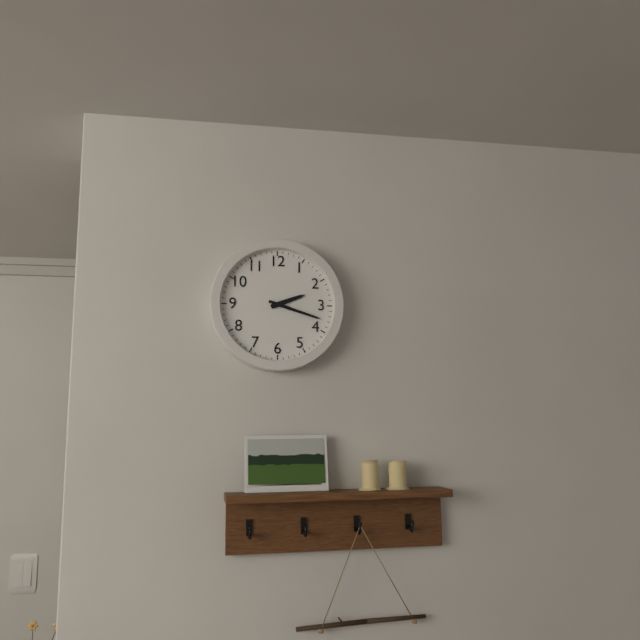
2:18
